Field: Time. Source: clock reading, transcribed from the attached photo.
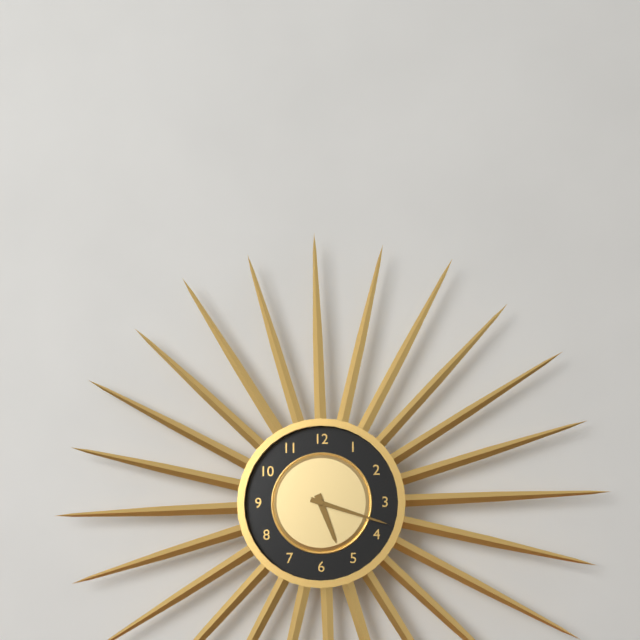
5:18
